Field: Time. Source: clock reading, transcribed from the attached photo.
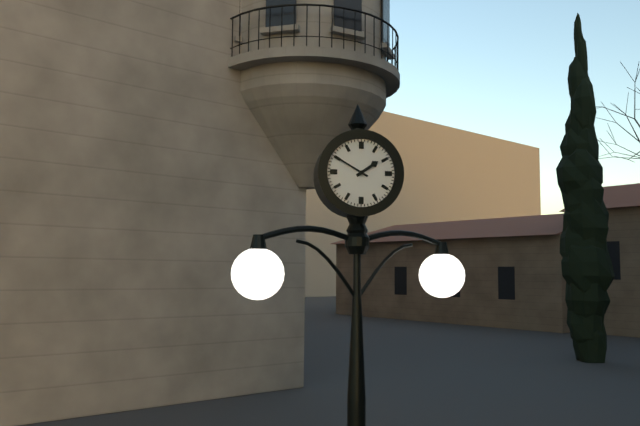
1:50
